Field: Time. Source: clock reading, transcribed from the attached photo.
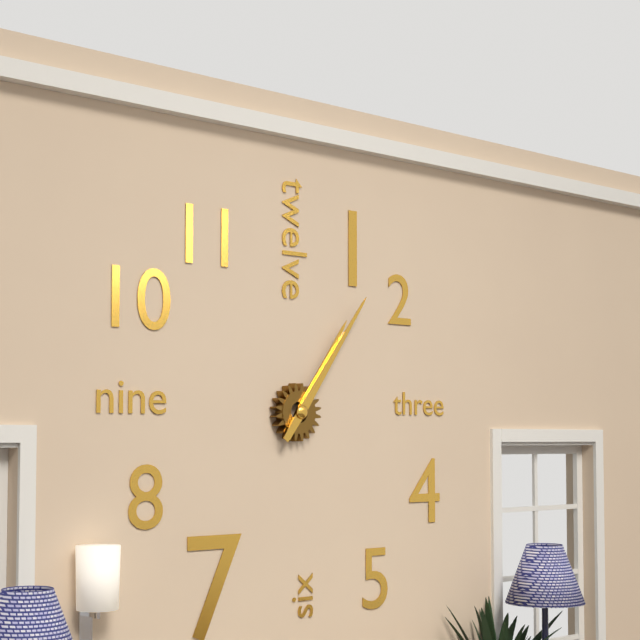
1:06
